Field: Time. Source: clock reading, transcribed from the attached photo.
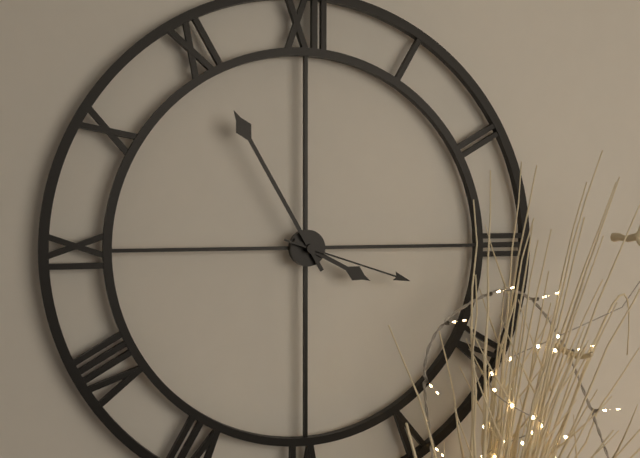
3:55:18
